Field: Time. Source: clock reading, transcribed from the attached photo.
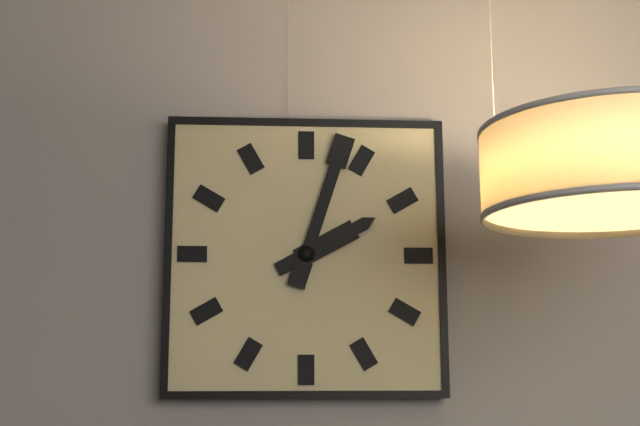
2:03
